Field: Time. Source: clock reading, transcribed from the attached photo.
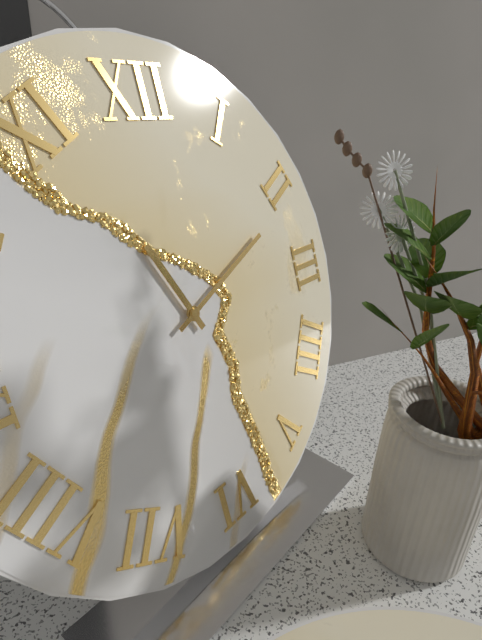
11:11
